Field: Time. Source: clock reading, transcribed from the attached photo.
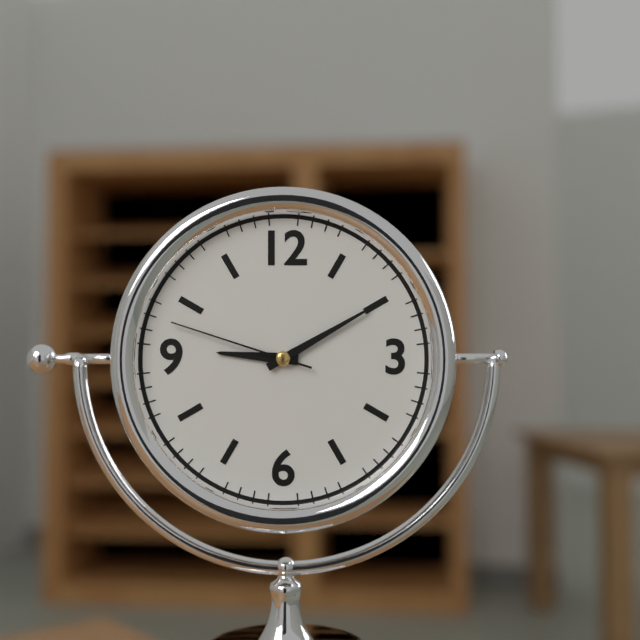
9:10:48
